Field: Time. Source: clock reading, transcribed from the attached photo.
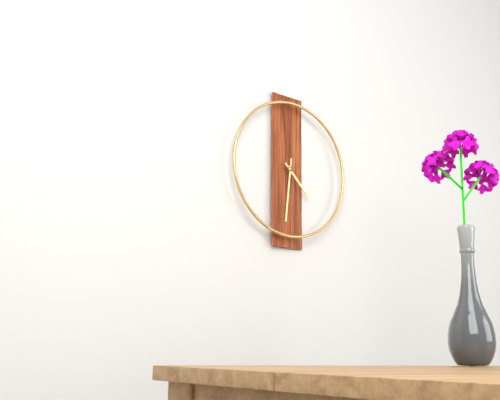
4:31
